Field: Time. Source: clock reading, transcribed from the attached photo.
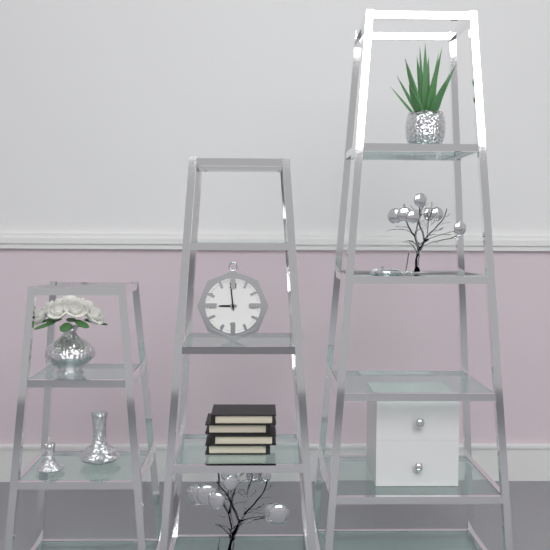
8:59
